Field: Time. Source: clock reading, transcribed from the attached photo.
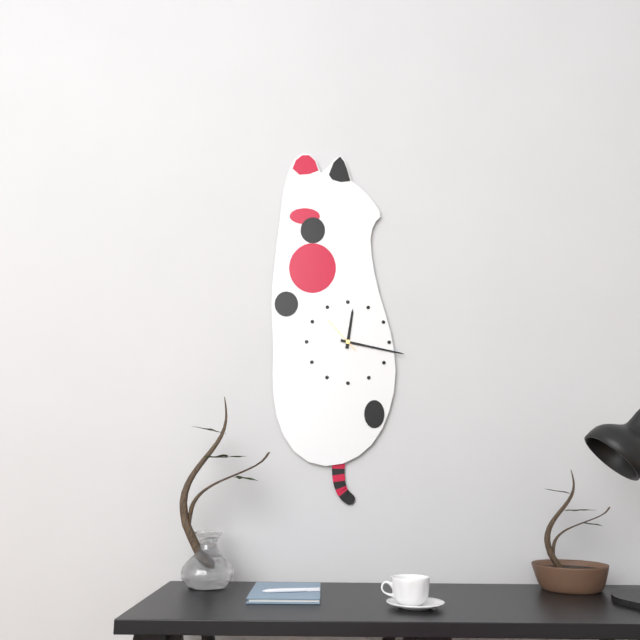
12:17
